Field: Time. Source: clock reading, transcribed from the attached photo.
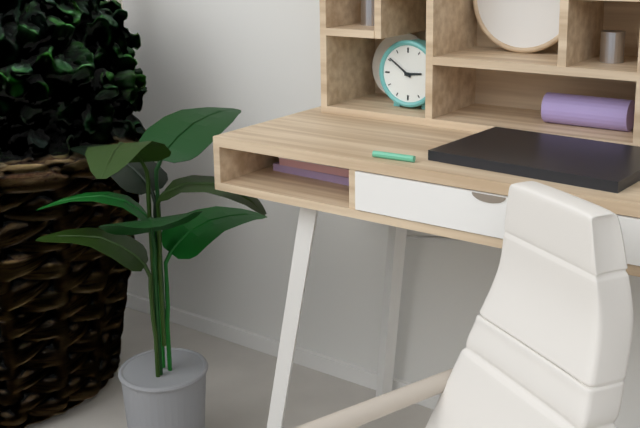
2:51
